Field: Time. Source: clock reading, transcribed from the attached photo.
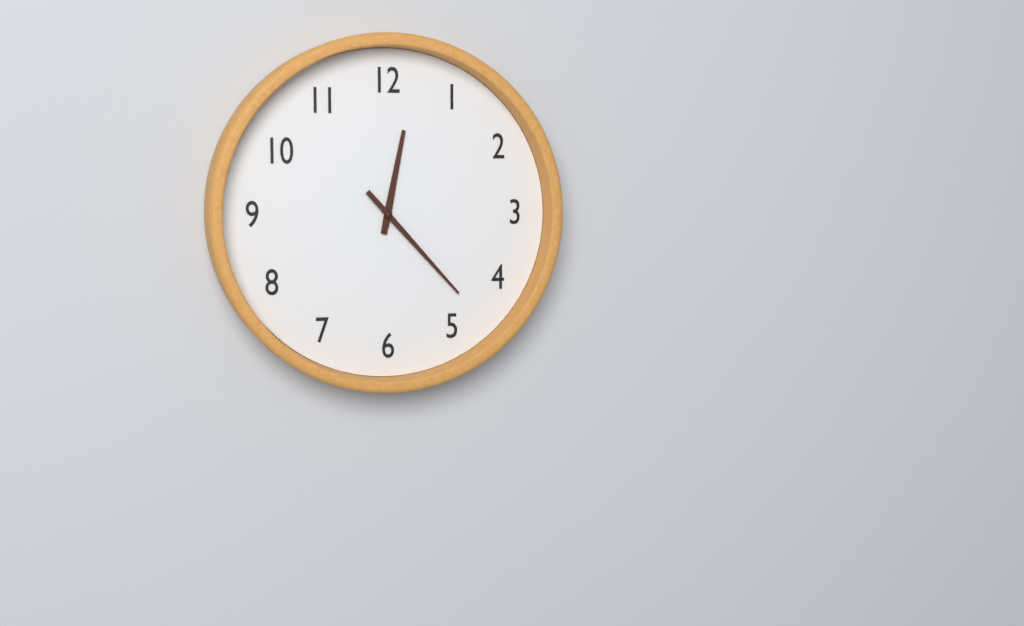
12:23
